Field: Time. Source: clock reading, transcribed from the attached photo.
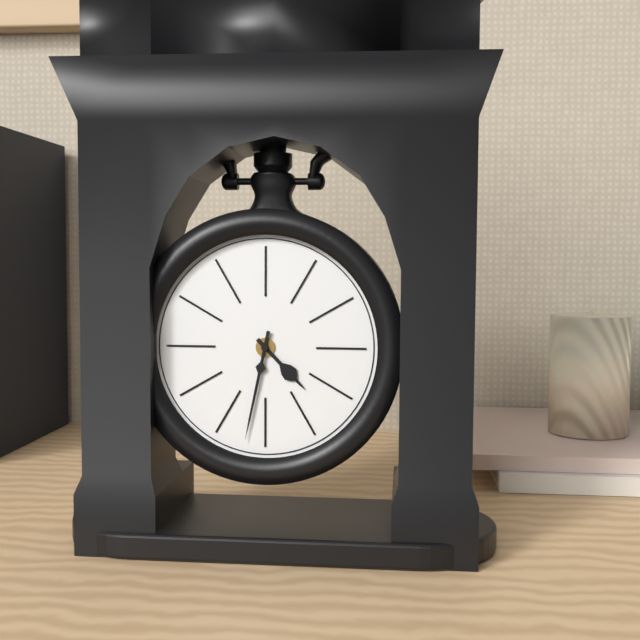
4:32
